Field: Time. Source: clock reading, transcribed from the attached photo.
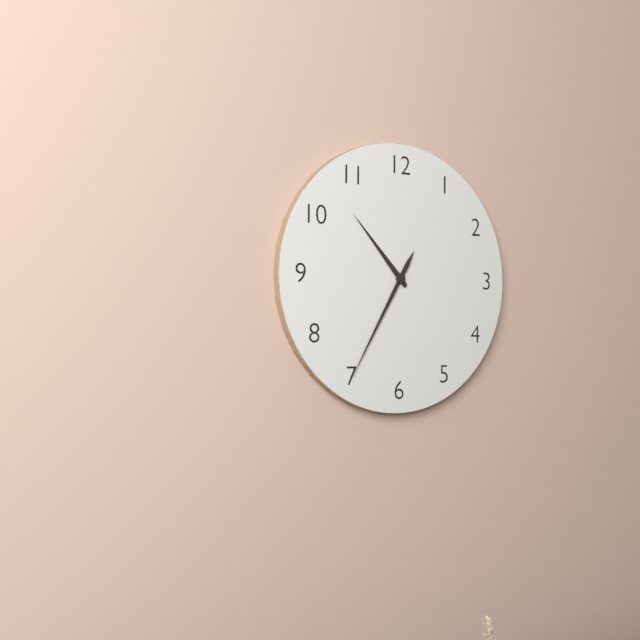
10:35
